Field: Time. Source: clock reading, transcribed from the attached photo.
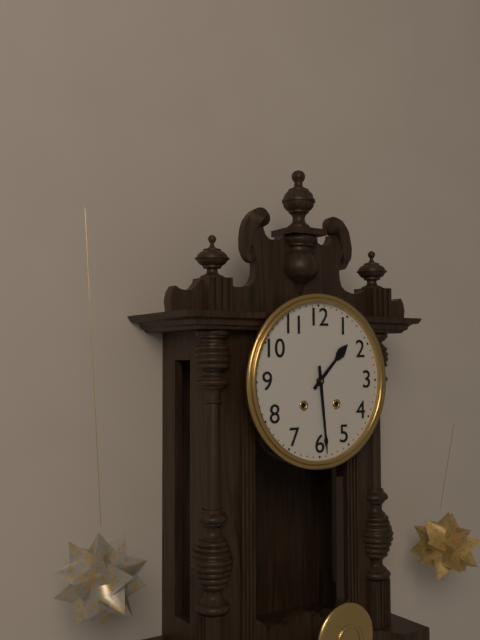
1:29
